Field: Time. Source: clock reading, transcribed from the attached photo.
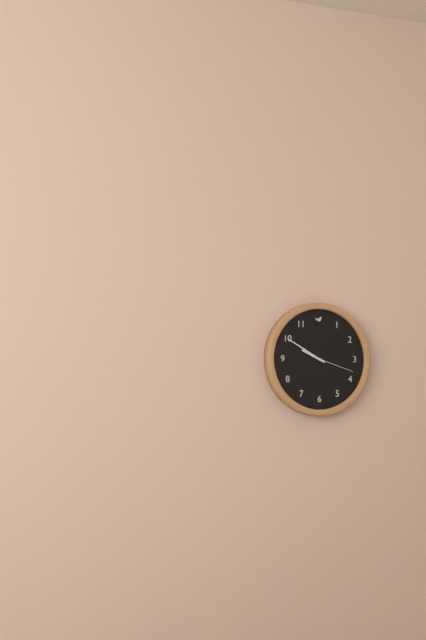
9:50:18
